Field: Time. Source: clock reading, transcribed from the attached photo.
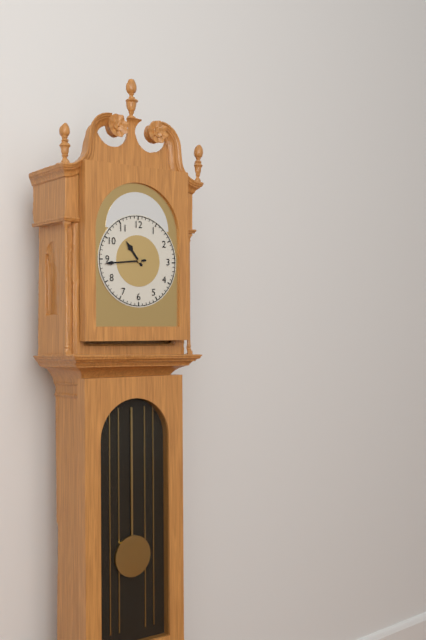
10:44
